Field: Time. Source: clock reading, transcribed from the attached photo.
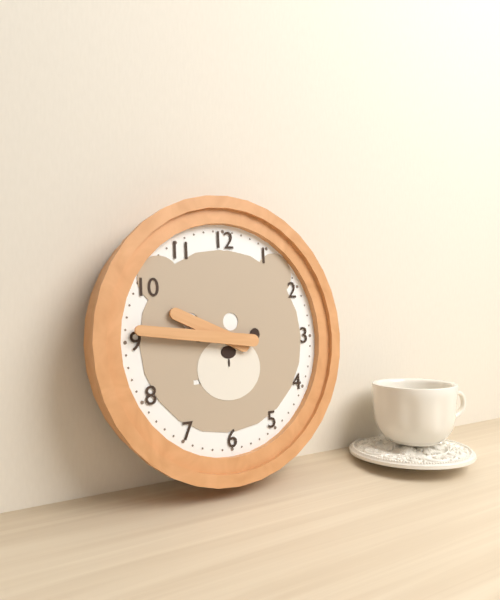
9:46
